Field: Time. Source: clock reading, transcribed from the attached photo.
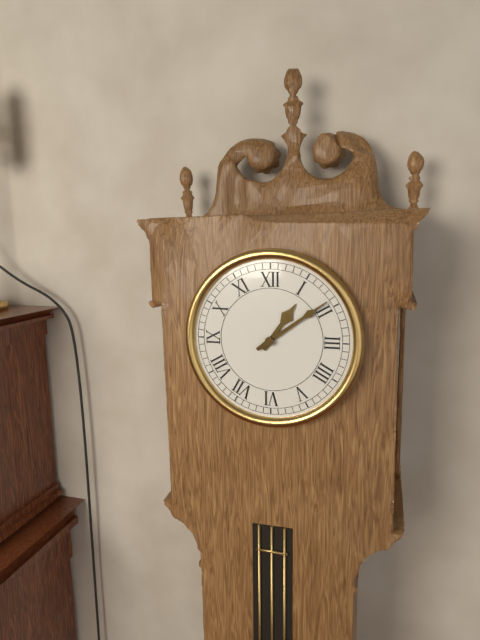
1:09
